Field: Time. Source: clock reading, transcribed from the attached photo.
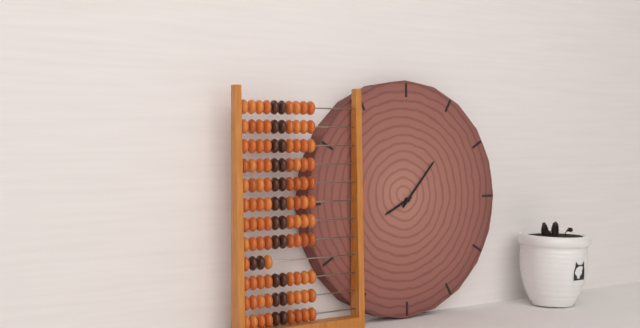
8:07
